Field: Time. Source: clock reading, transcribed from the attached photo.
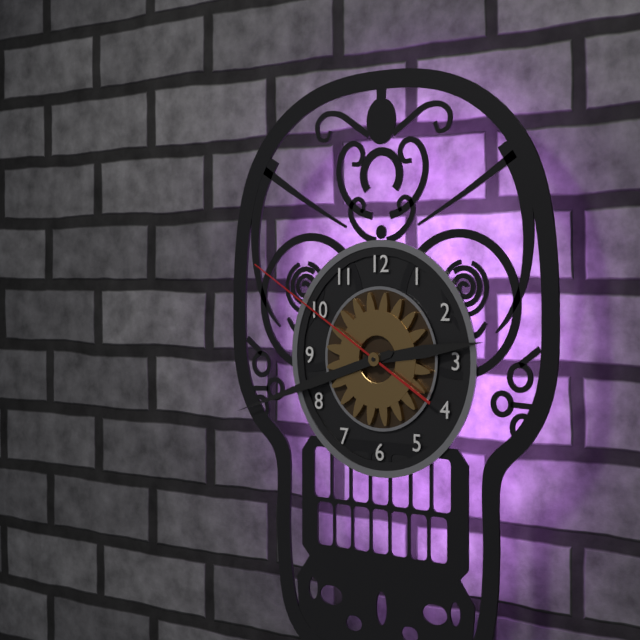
2:42:50
